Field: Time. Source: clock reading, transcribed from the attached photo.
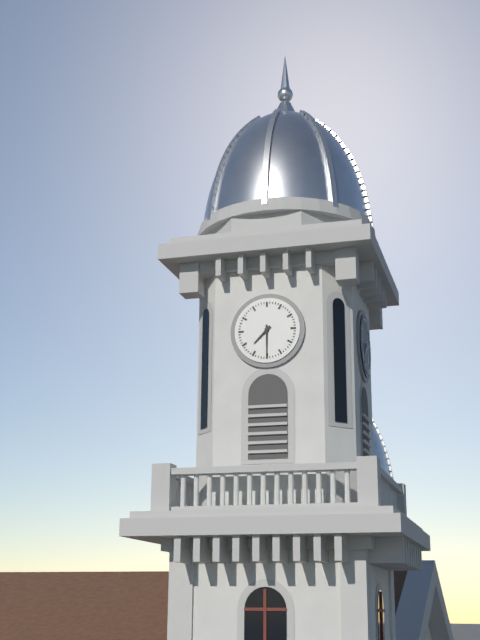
7:30
